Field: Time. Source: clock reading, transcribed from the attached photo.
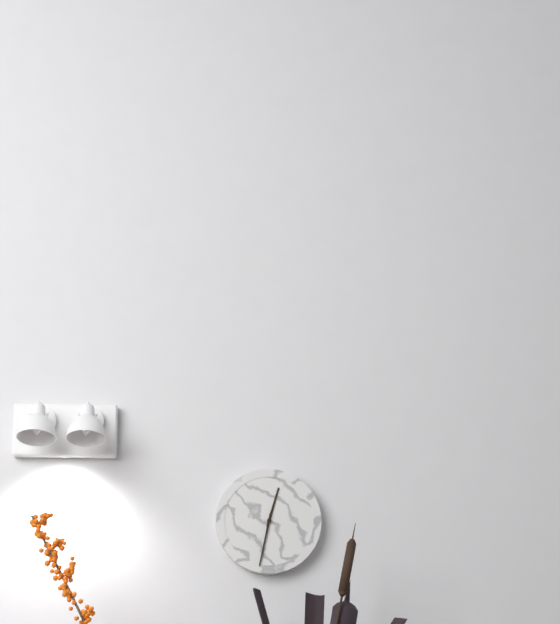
12:32
